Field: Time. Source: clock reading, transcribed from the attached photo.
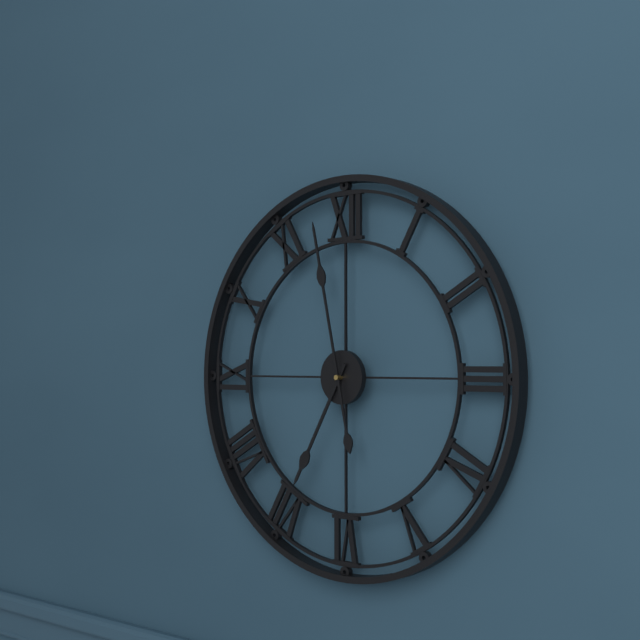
6:58
